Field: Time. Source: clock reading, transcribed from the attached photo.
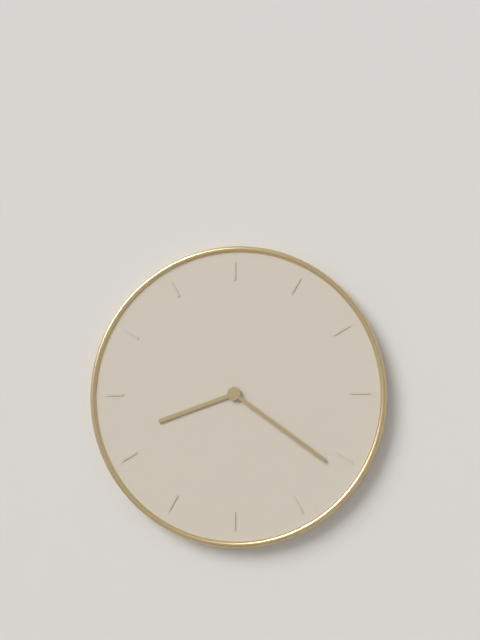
8:21
